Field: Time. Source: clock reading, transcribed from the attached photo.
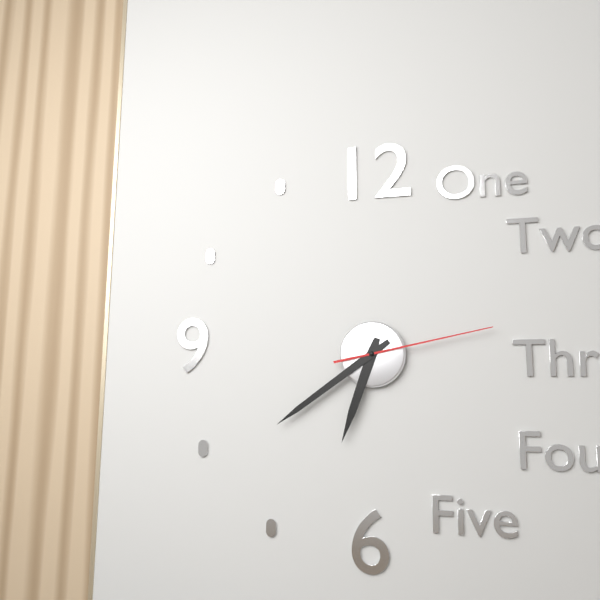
6:39:13
